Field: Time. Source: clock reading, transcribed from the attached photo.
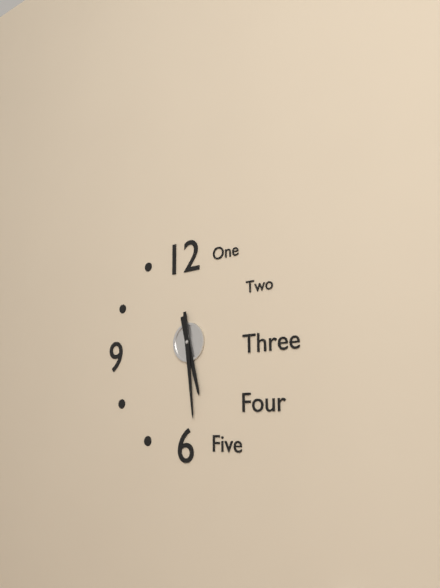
5:29
